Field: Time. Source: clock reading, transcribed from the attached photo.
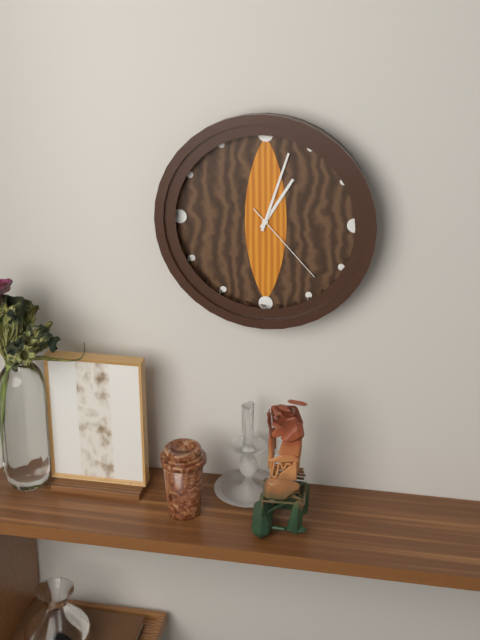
1:03:23
